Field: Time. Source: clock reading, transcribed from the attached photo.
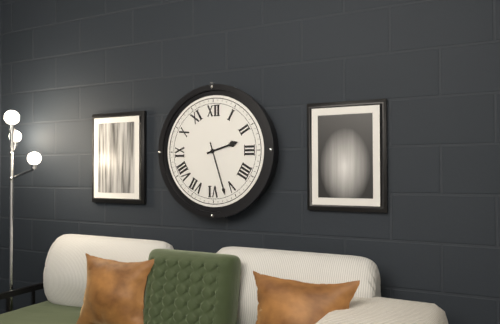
2:27
